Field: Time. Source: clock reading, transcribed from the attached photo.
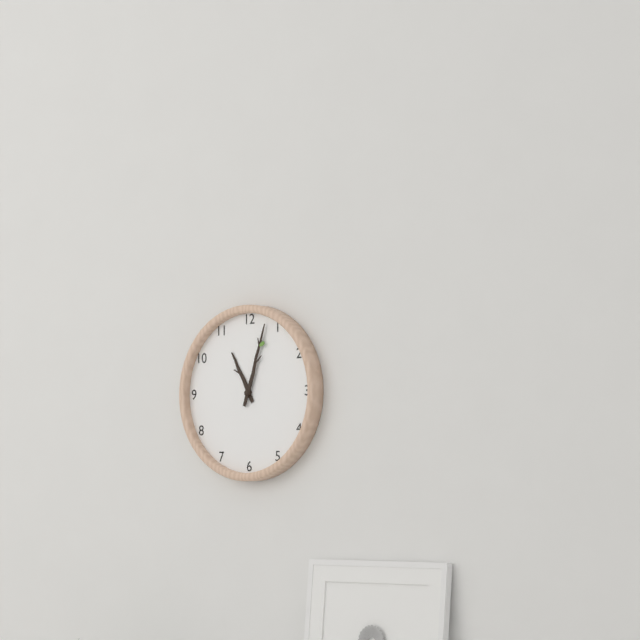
11:03
